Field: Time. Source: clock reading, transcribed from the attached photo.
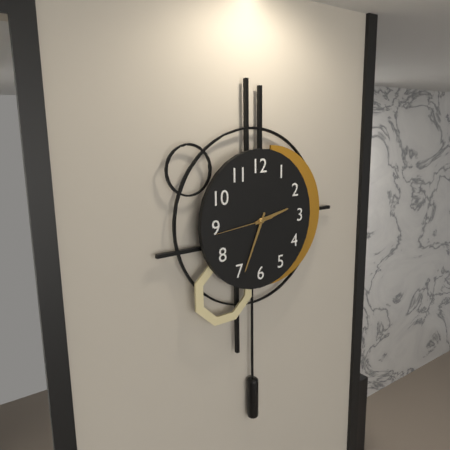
2:34:44
